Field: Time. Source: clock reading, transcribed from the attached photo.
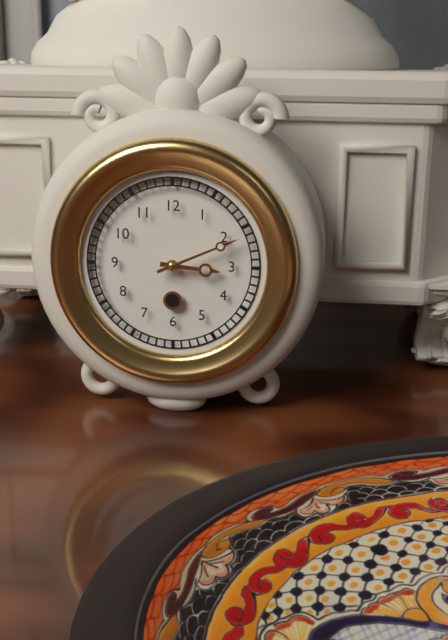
3:11
